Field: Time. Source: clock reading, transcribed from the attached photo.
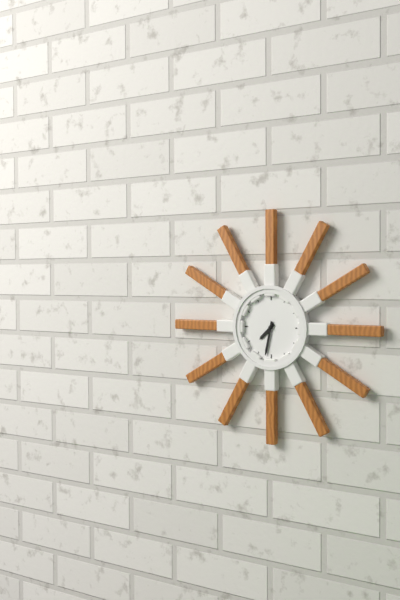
7:32
